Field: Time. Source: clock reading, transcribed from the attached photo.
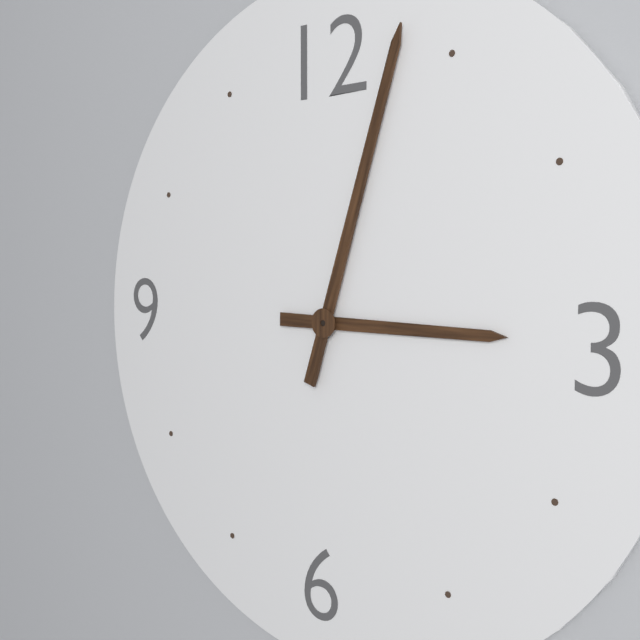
3:03
